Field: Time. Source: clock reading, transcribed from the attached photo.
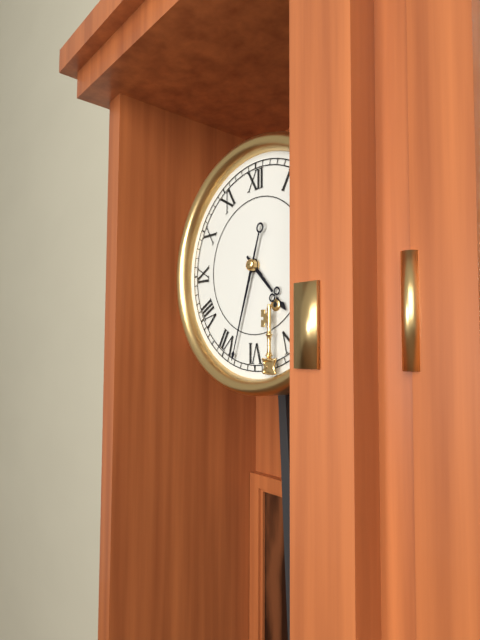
4:33
